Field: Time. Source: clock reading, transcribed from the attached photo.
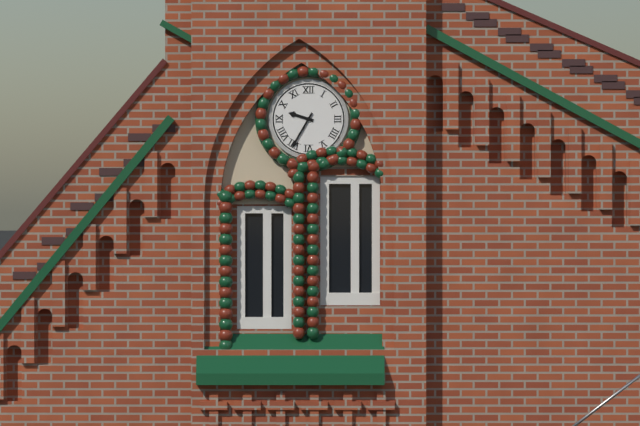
9:35
